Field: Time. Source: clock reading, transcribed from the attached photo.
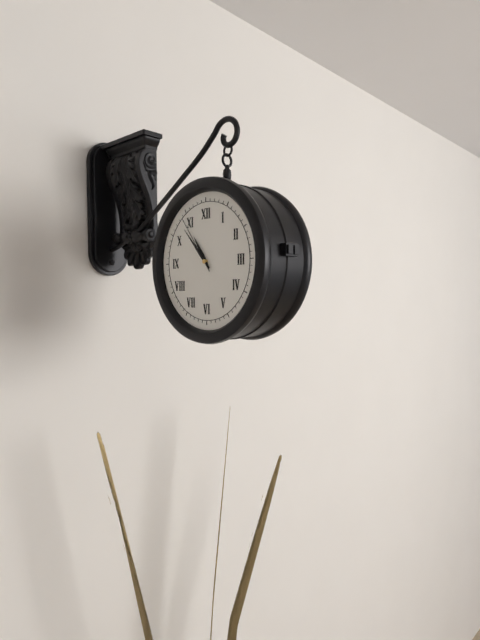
10:53:54
